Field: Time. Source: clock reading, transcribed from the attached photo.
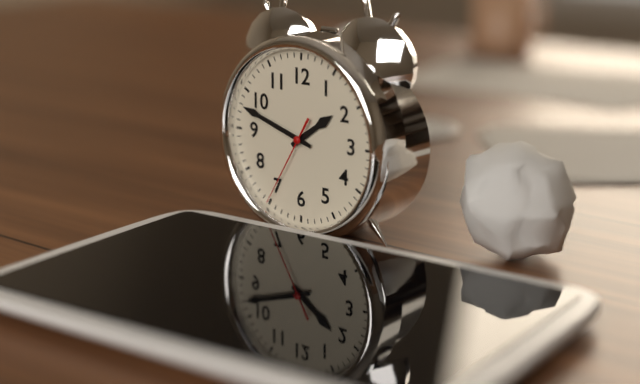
1:48:35
